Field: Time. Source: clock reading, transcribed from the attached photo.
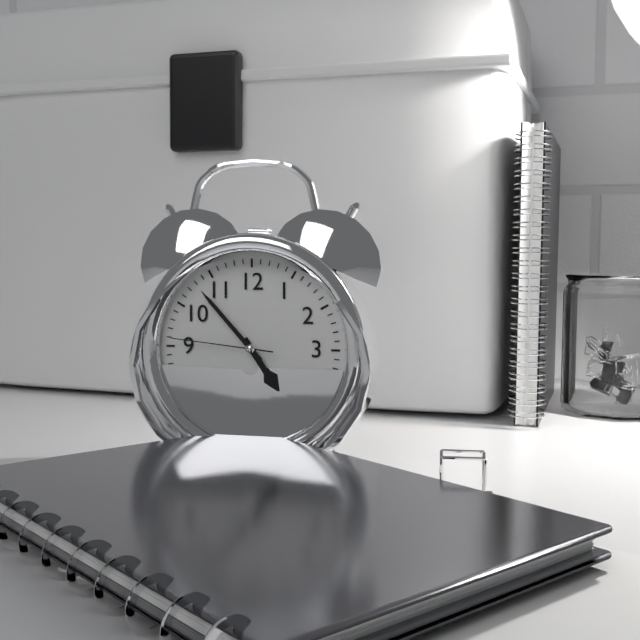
4:53:46
